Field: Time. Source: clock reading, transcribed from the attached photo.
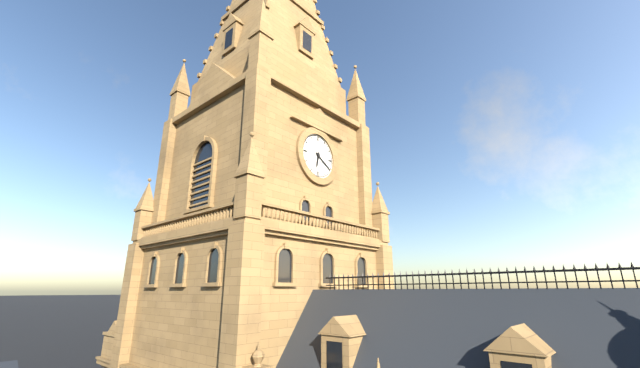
6:20
